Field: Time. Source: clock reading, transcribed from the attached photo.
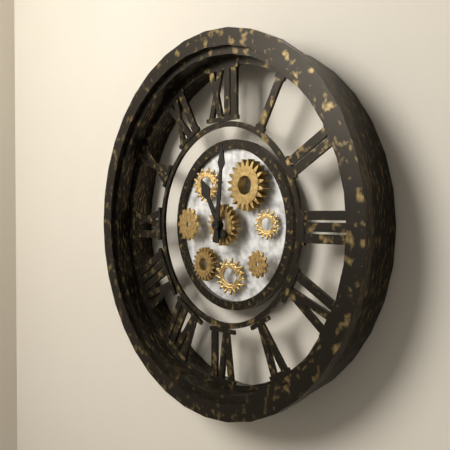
11:01
